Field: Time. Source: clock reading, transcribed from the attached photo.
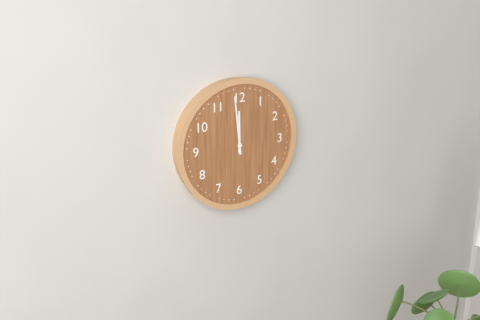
11:59
